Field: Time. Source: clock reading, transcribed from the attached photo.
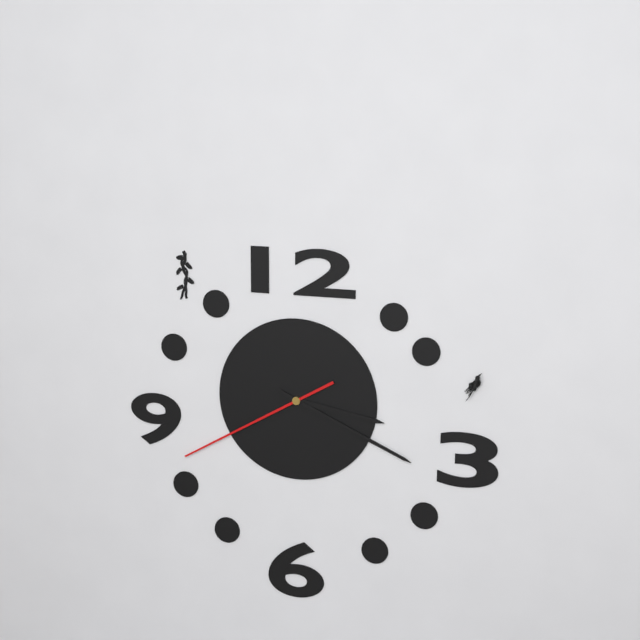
3:19:40
